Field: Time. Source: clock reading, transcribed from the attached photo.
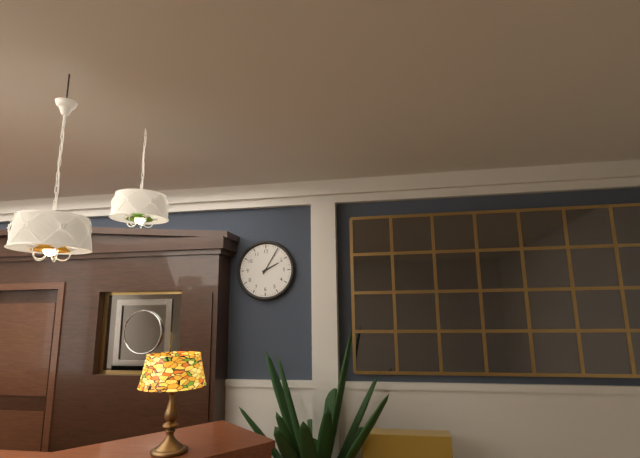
2:05
